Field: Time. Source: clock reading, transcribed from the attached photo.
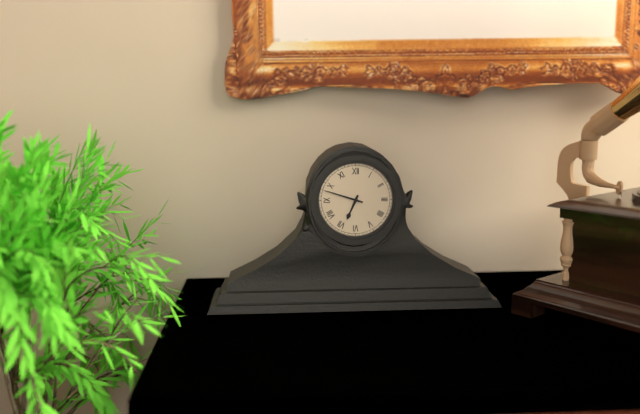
6:48
